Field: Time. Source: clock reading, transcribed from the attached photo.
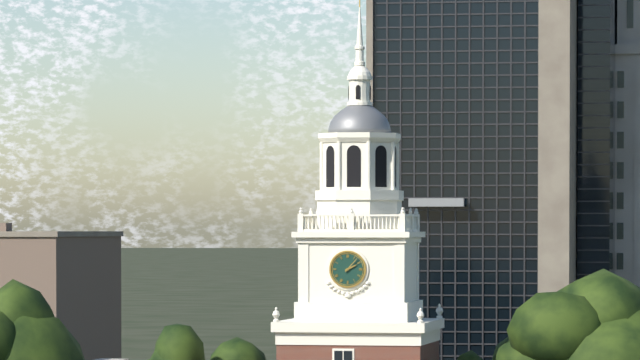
2:07
